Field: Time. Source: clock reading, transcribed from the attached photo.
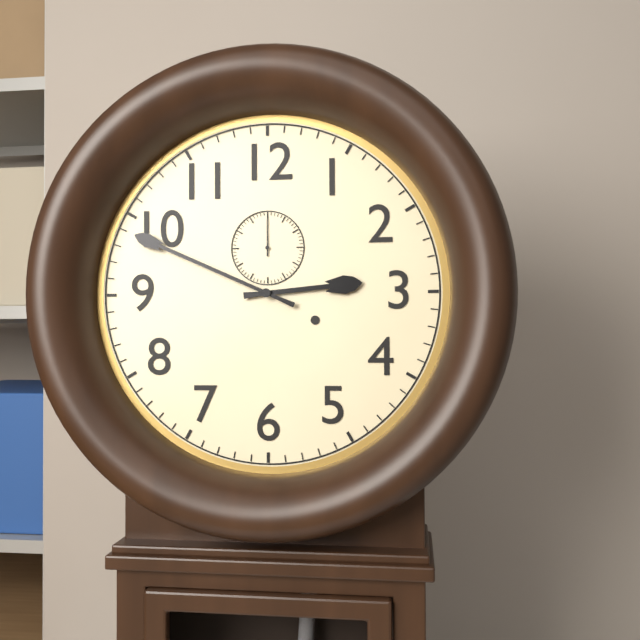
2:49
